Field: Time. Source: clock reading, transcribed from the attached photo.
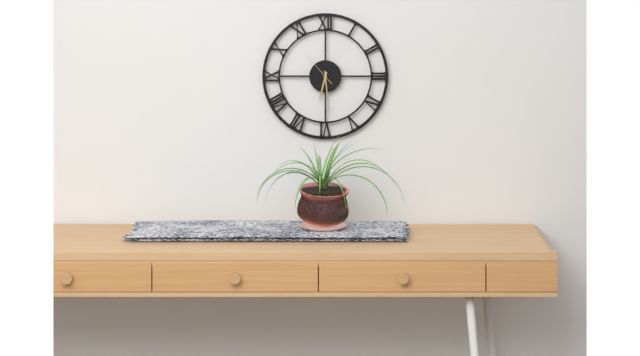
6:29
